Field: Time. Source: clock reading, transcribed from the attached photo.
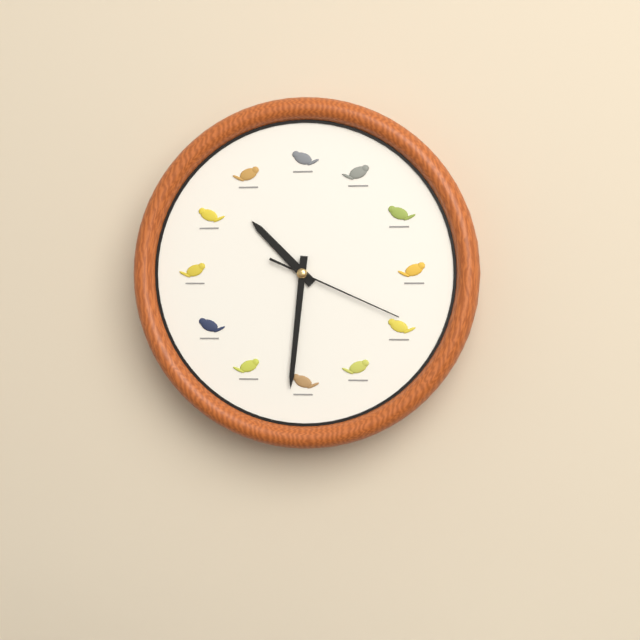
10:31:19
